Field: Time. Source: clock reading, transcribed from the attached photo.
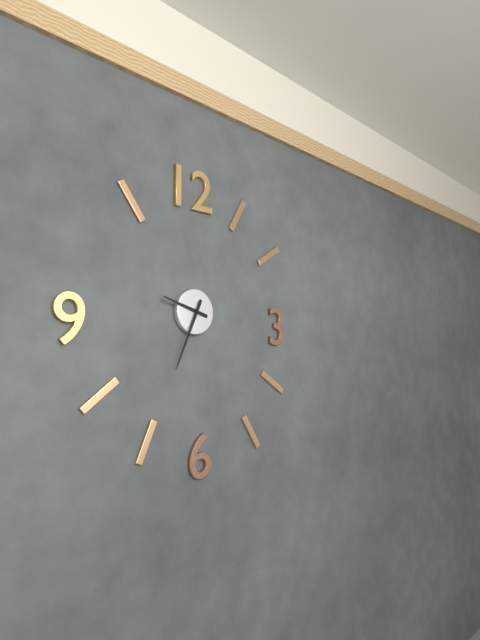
9:34
